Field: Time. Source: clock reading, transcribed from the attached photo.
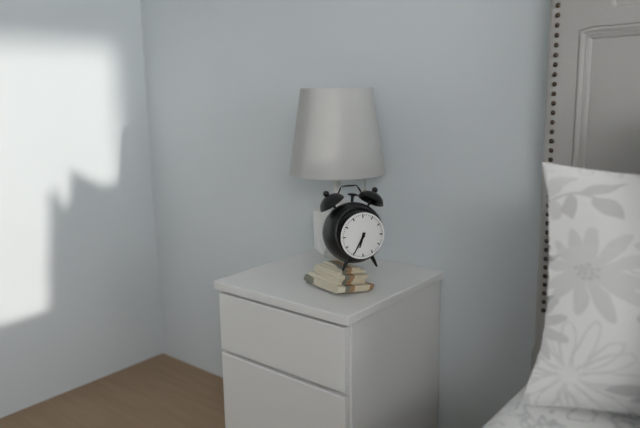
6:35
